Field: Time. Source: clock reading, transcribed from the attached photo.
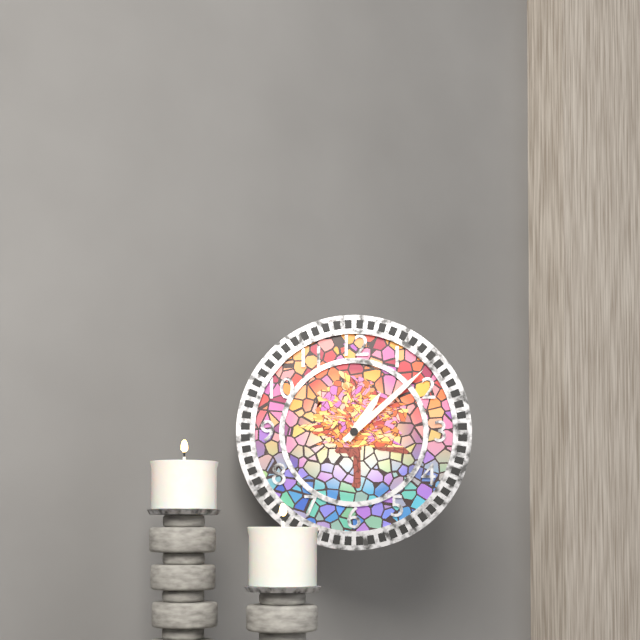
1:08
